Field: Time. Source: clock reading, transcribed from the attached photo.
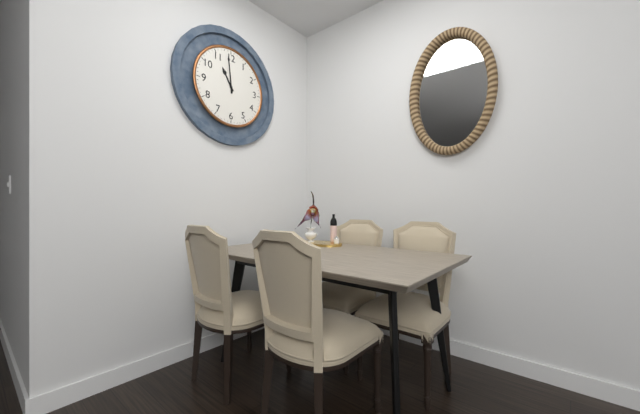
10:59
